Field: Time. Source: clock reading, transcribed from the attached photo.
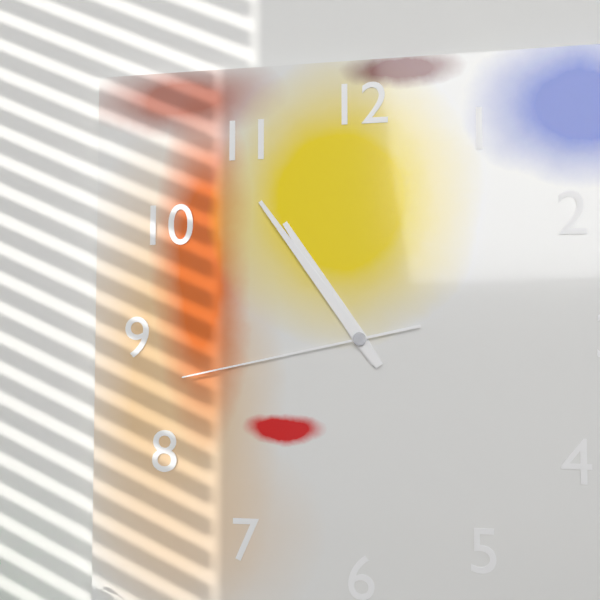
10:54:43
